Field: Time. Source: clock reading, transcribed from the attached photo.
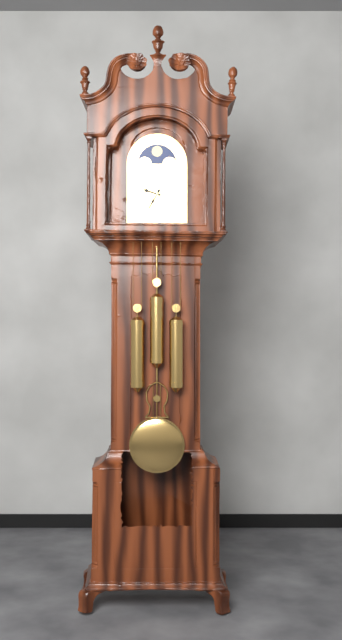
9:35
